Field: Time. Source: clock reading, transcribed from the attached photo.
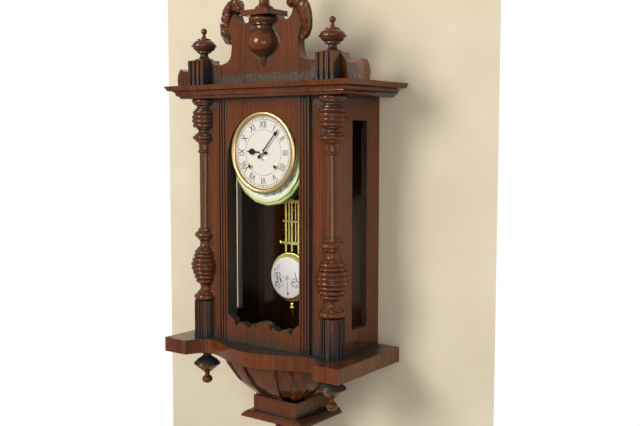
9:07
